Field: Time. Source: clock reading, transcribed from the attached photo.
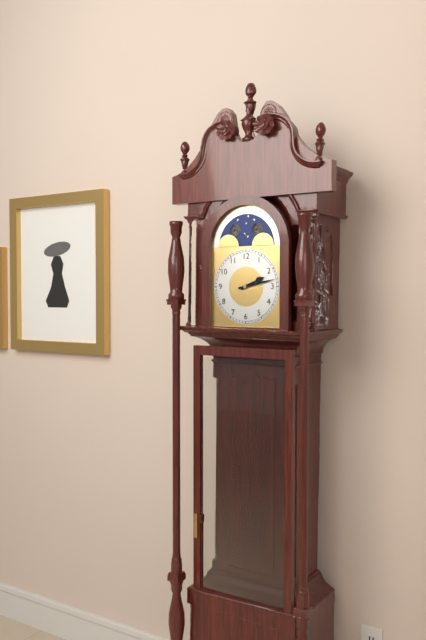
2:13
